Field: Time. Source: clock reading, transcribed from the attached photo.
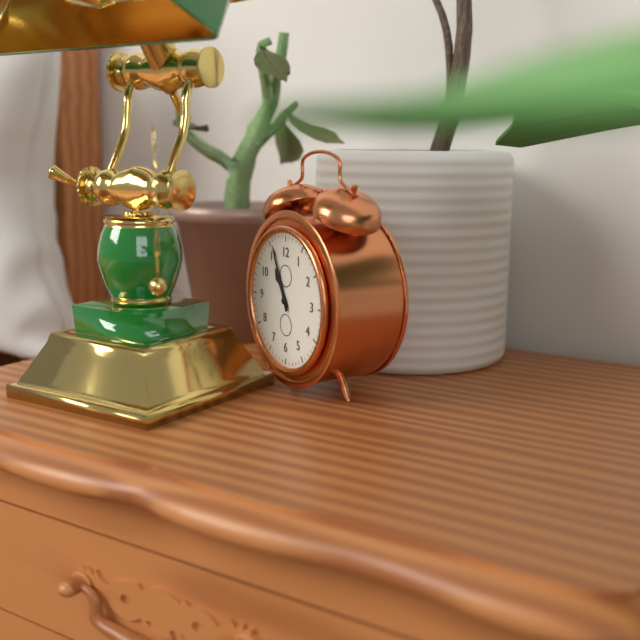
10:56
